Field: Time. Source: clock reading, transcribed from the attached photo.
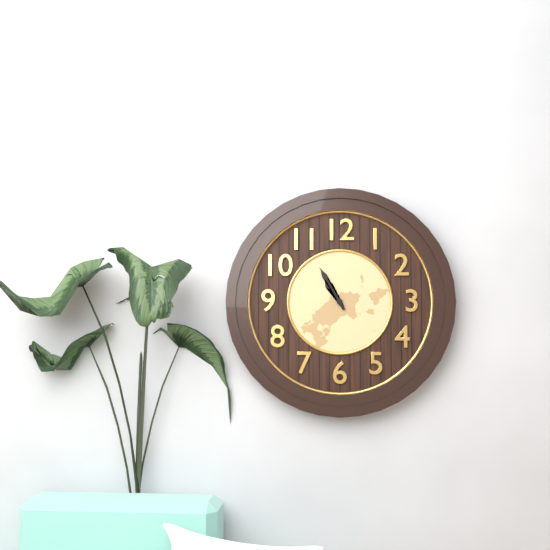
10:55
